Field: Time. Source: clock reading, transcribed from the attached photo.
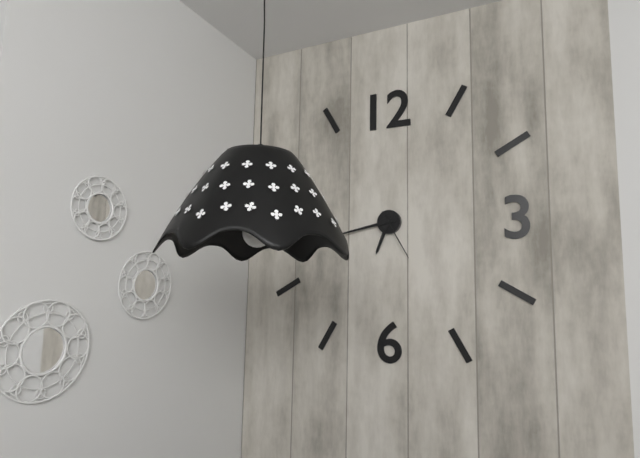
6:43:25
